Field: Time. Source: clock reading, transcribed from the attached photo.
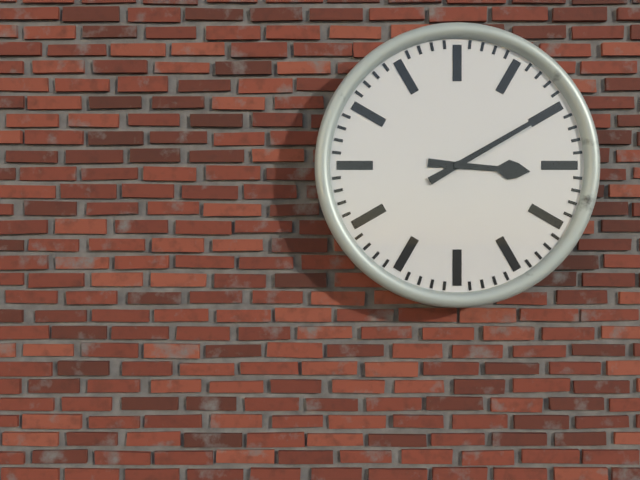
3:10
